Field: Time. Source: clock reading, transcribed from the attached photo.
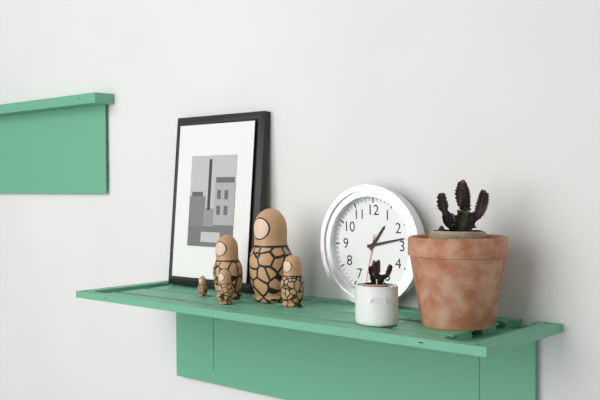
1:13:32
